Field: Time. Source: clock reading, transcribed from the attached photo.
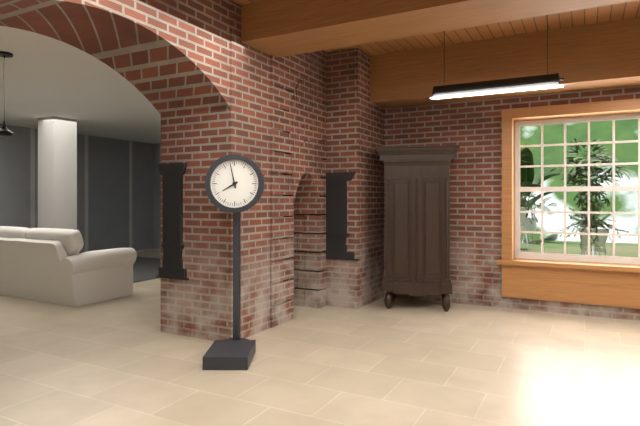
7:58
